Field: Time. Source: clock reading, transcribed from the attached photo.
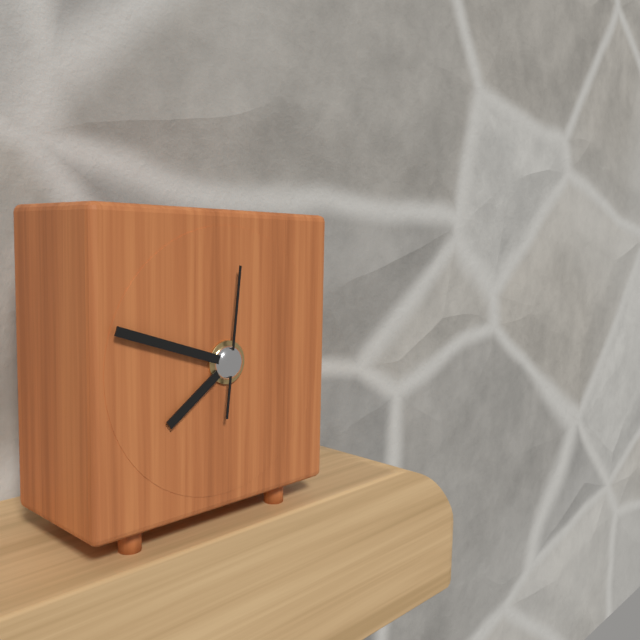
7:48:01
